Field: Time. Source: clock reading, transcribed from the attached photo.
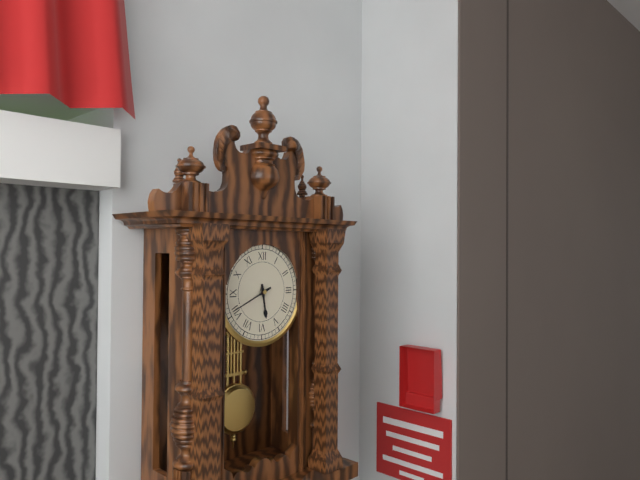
5:41
